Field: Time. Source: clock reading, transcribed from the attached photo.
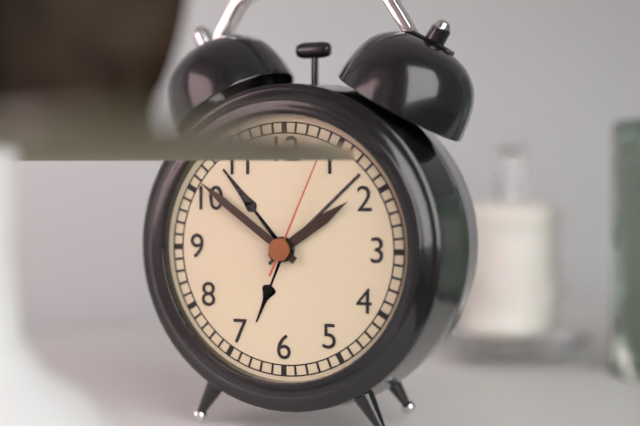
1:51:04
